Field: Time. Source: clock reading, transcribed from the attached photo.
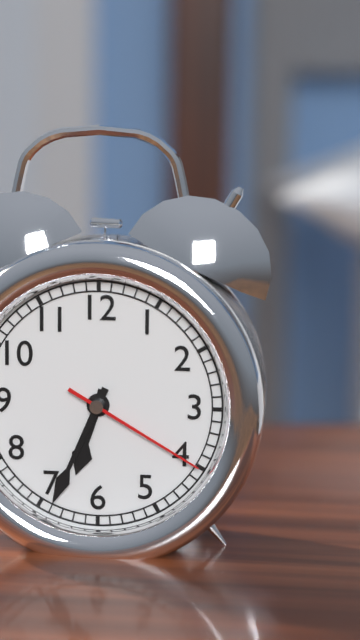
6:34:20
